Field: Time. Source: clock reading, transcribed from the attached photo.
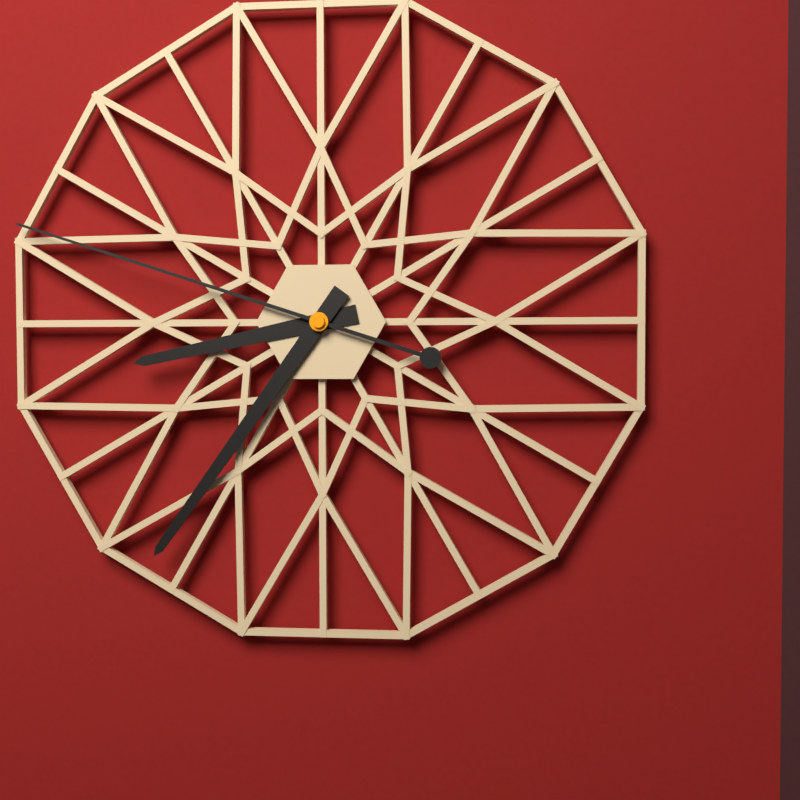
8:36:48
